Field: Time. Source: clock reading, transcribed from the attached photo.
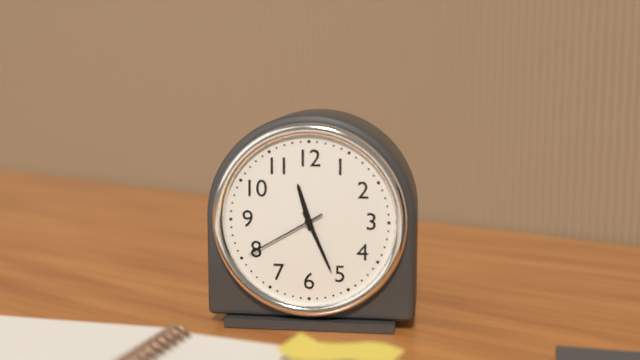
11:26:40
